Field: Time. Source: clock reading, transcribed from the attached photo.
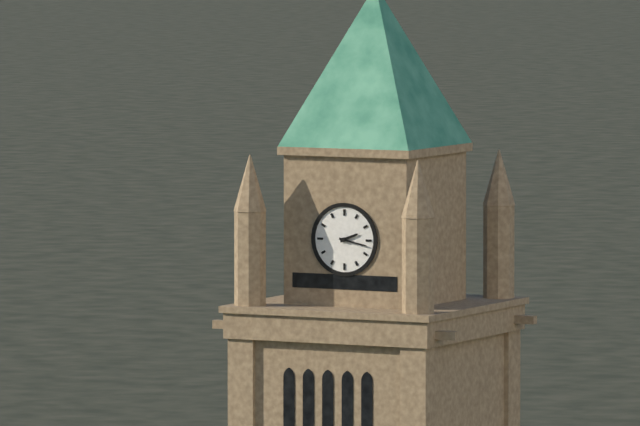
2:17
